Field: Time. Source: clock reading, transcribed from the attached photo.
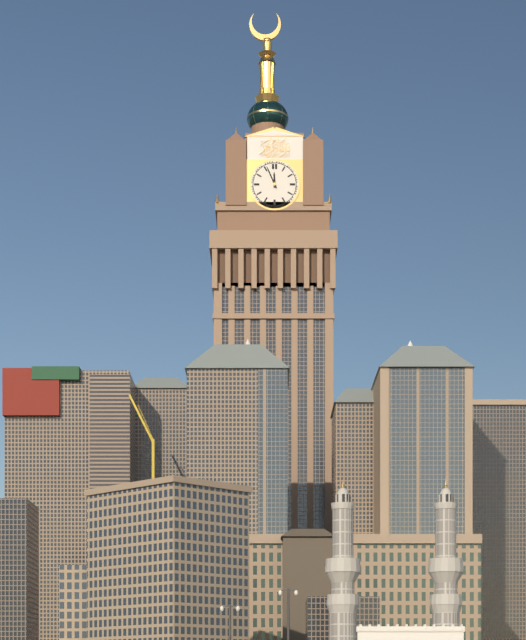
11:56
